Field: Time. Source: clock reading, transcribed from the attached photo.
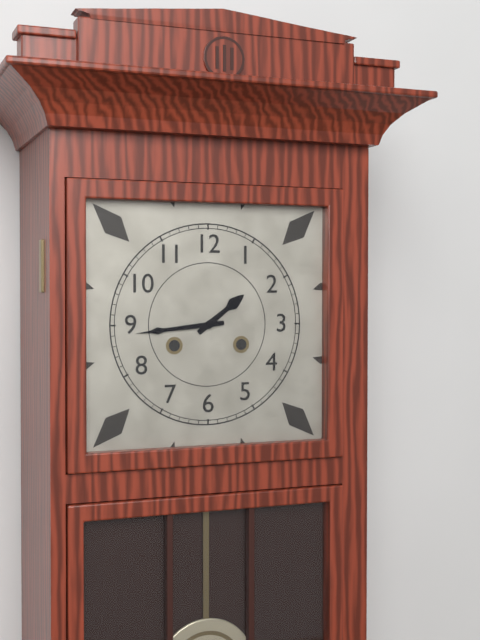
1:44
